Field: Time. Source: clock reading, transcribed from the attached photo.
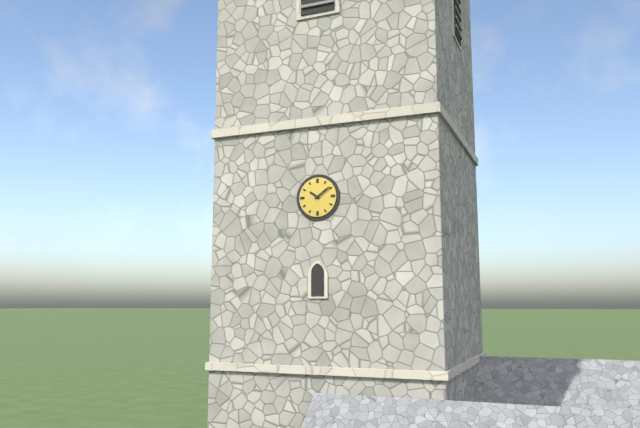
10:09
